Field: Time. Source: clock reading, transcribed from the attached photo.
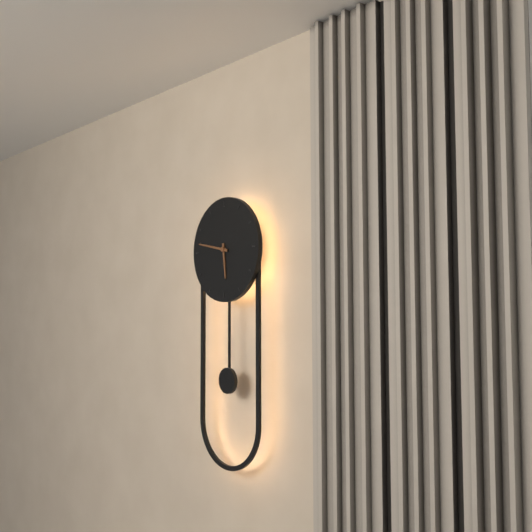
5:47
